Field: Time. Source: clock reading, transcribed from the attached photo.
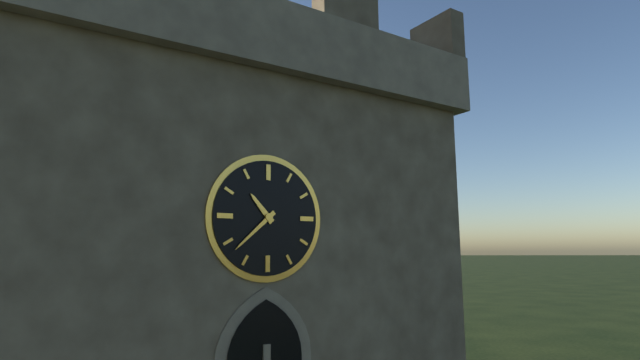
10:38
